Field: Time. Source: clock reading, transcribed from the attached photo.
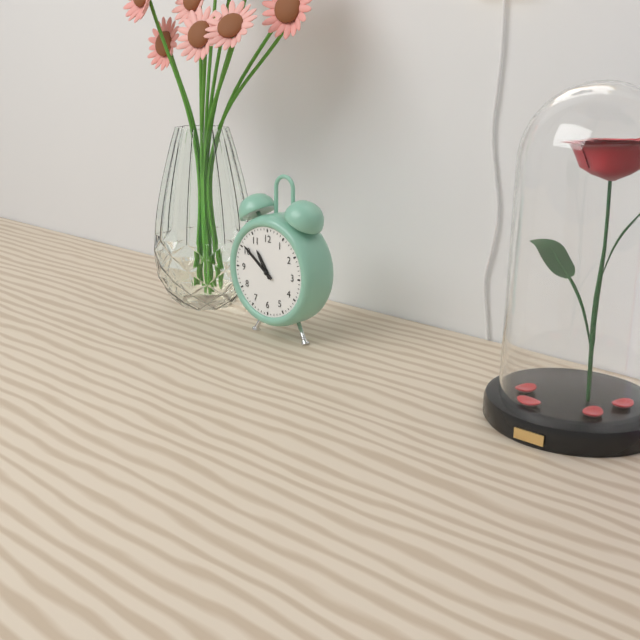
10:51
